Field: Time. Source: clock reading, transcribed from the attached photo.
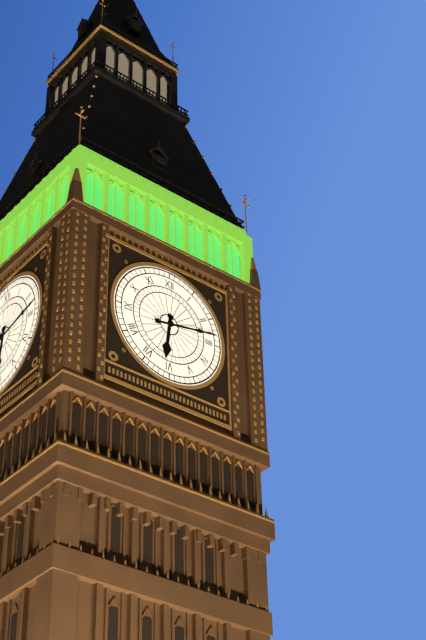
6:13
